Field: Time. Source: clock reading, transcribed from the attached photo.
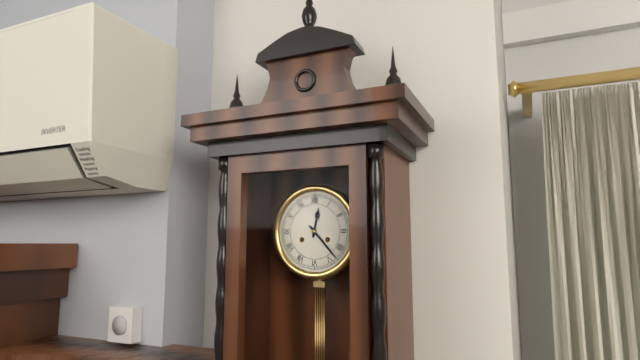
12:23
